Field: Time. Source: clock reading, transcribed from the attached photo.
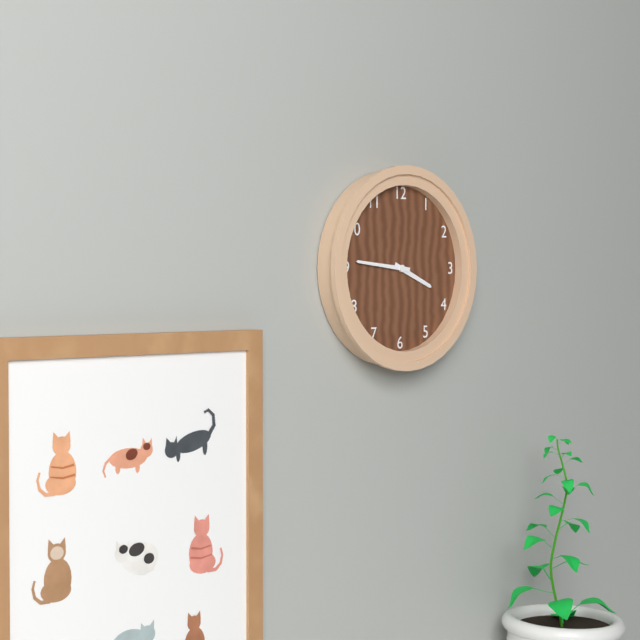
3:46
